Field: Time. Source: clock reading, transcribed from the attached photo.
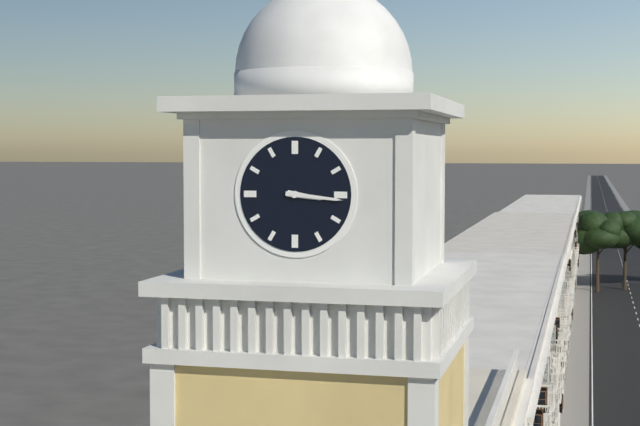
3:16
